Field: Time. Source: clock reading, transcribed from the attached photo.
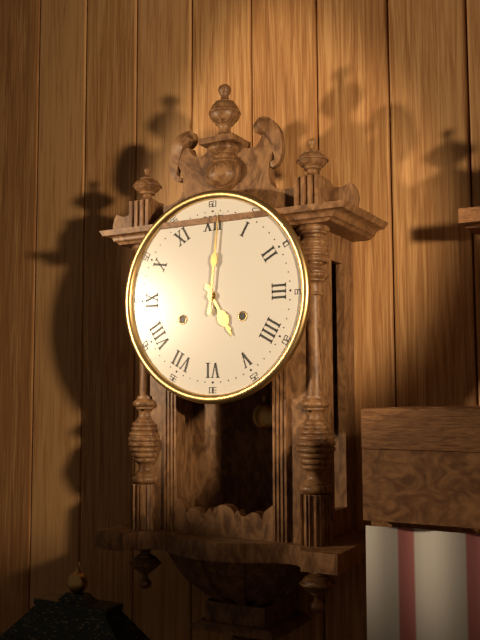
5:01
